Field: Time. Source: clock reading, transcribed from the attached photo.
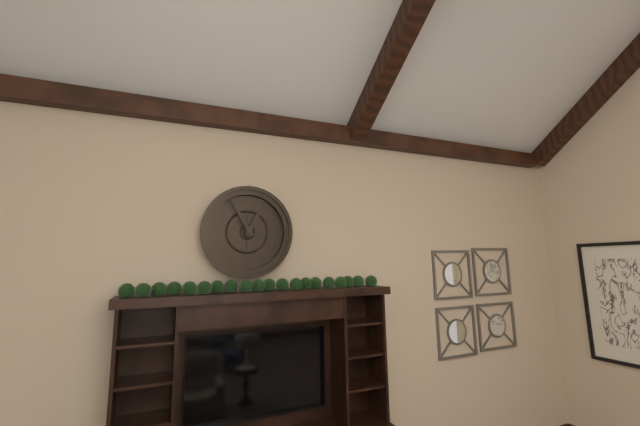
12:55
